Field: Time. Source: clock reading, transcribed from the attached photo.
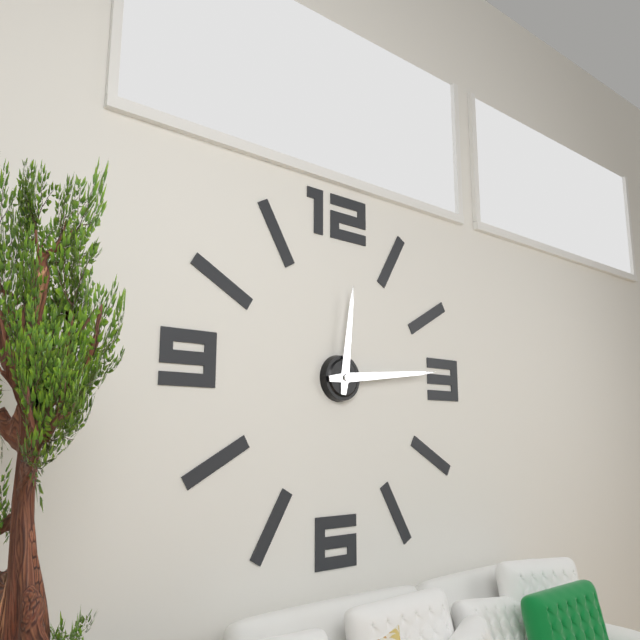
12:14
